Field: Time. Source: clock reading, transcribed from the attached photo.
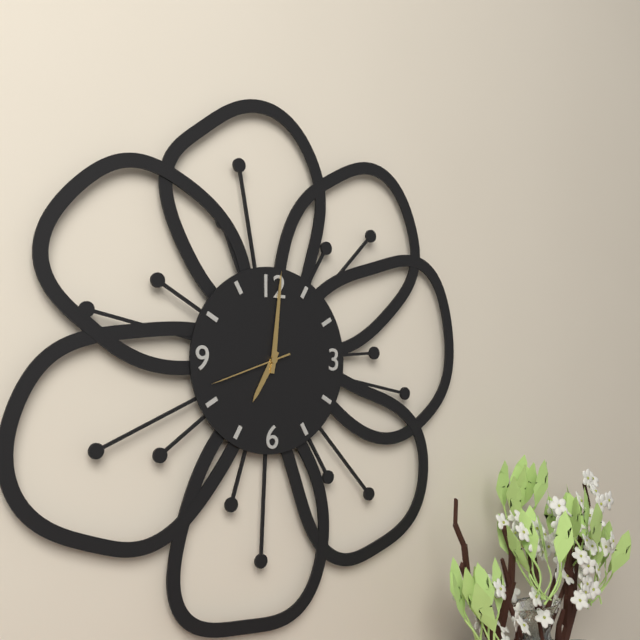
7:01:42
